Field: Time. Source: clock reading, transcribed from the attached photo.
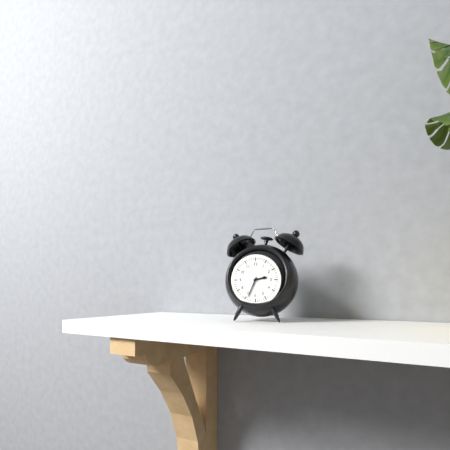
2:34
